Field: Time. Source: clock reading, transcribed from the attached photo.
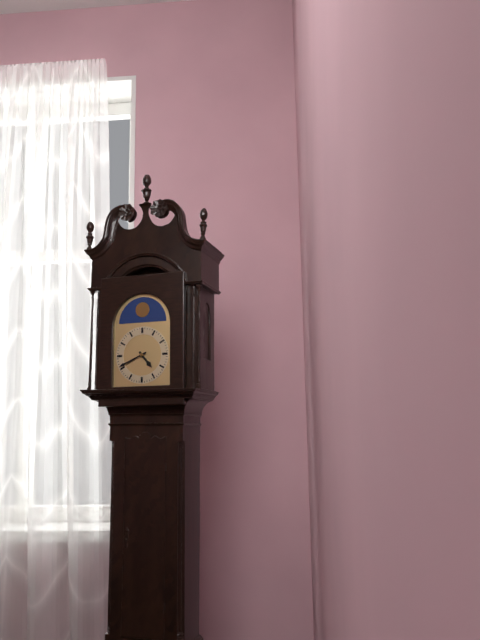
4:41
